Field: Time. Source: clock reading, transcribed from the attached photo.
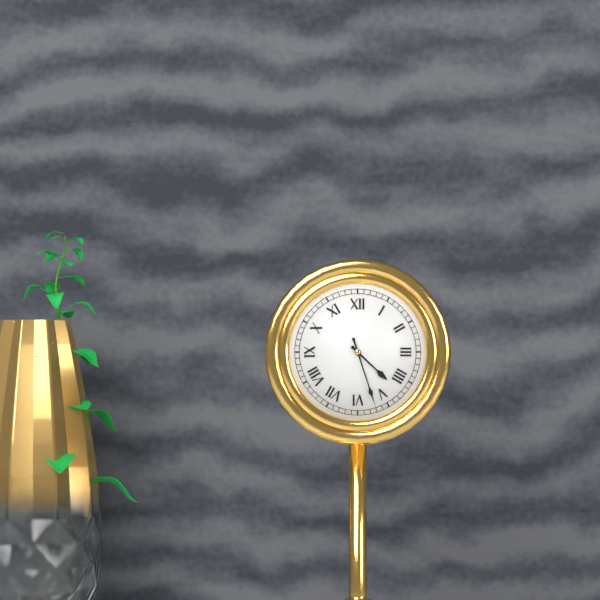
4:27
